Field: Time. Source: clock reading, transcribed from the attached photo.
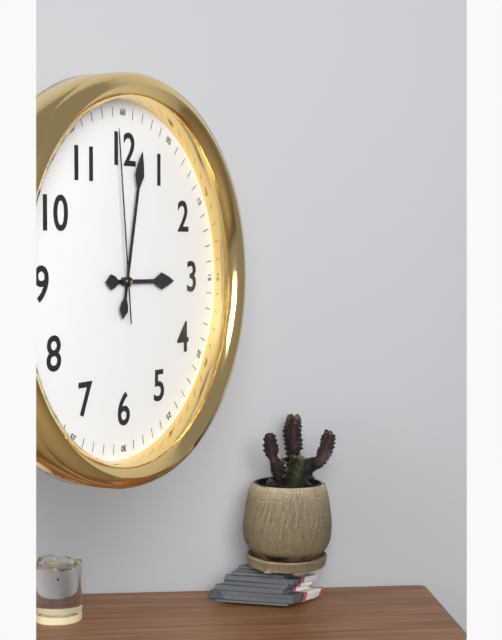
3:02:59
